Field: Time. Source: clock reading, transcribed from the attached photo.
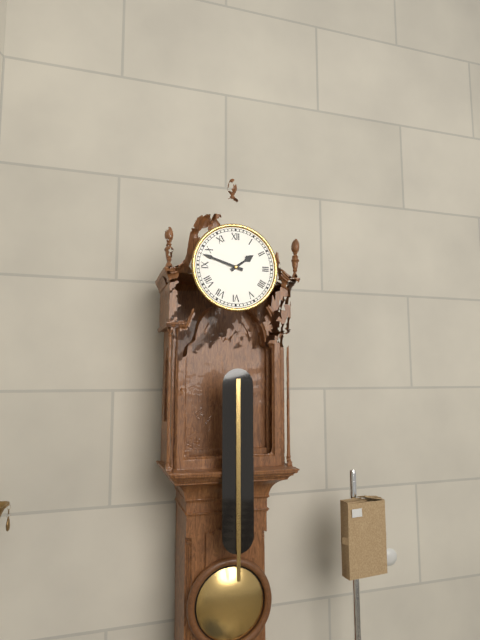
1:48
